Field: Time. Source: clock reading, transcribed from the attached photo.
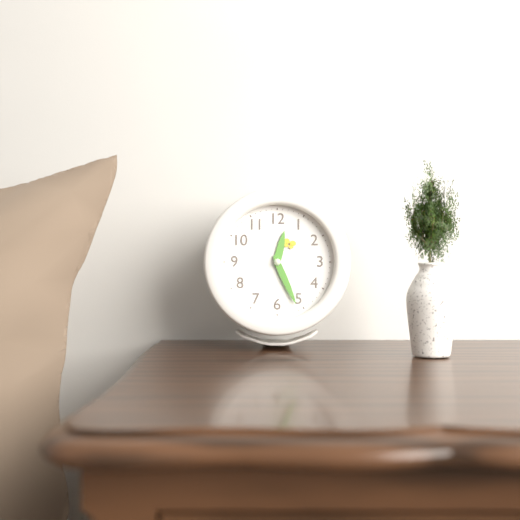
12:26
